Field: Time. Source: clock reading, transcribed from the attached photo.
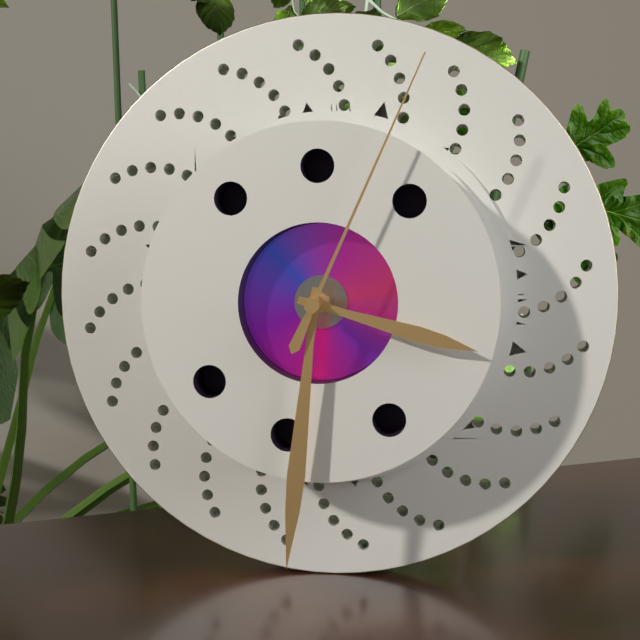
3:31:04
